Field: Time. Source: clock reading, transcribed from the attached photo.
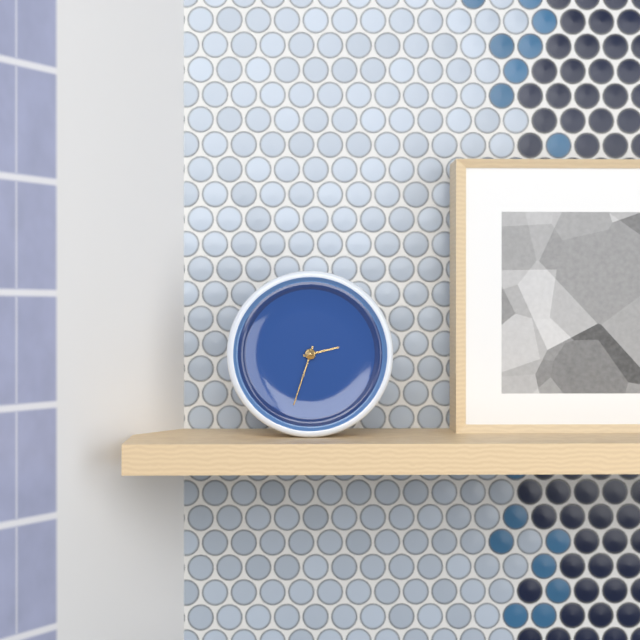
2:33
